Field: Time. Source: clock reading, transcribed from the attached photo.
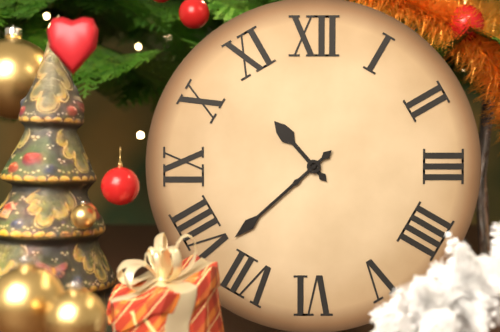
10:38
